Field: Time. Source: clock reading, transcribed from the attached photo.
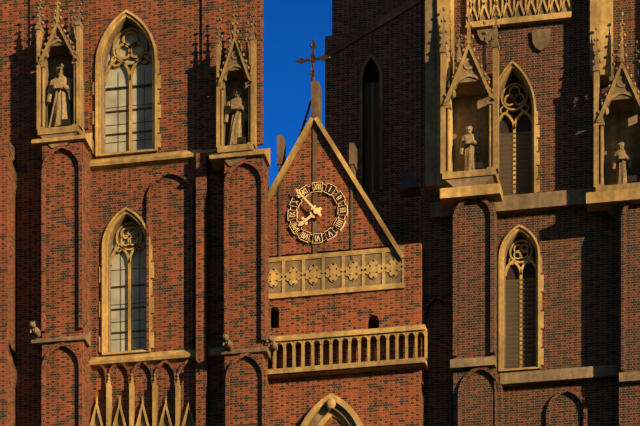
7:53
